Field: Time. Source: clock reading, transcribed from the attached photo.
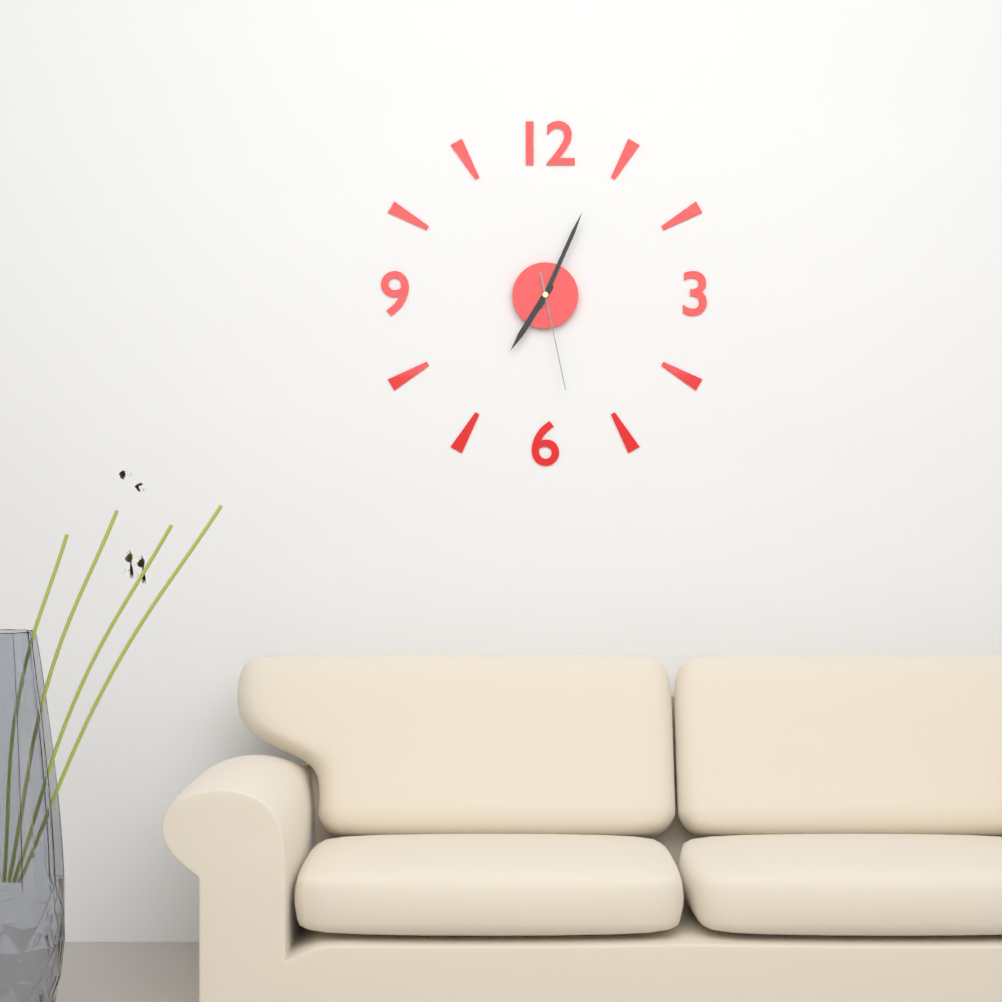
7:04:28
